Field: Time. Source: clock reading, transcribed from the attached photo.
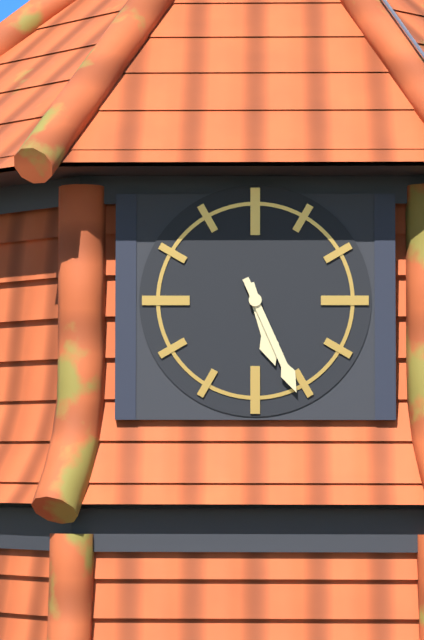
5:26
